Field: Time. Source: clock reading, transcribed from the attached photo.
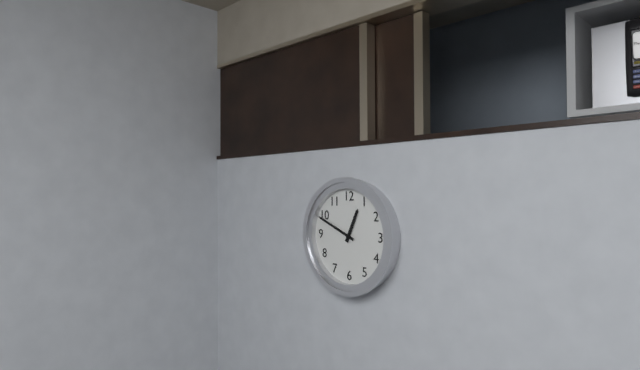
12:49
